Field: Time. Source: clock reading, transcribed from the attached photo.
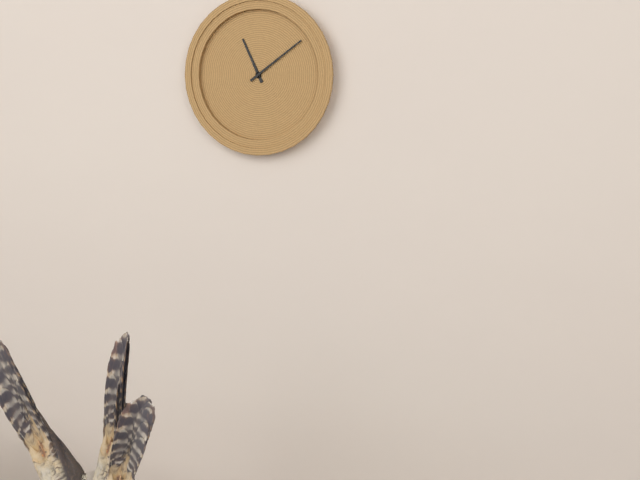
11:09
